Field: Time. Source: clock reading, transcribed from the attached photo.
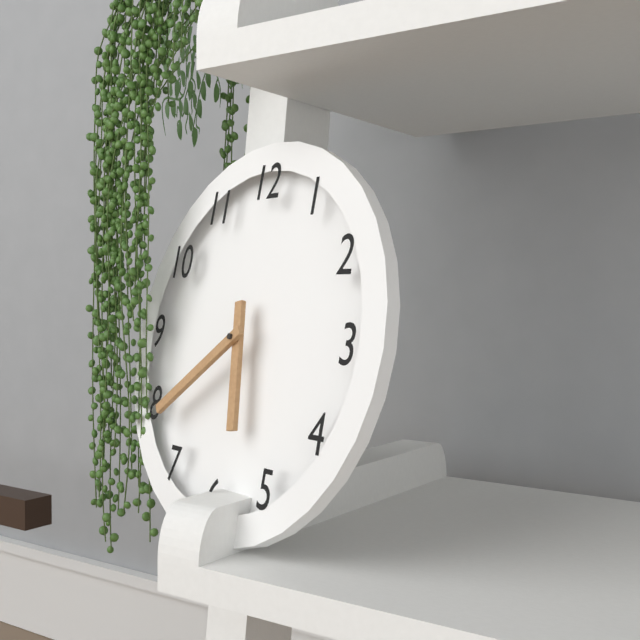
5:39
